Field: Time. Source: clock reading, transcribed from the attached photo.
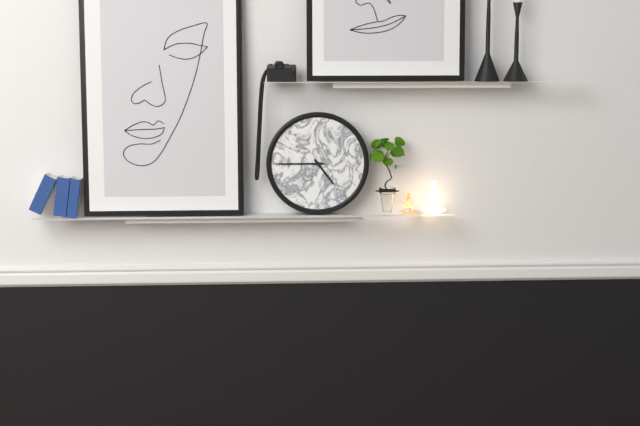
4:45
